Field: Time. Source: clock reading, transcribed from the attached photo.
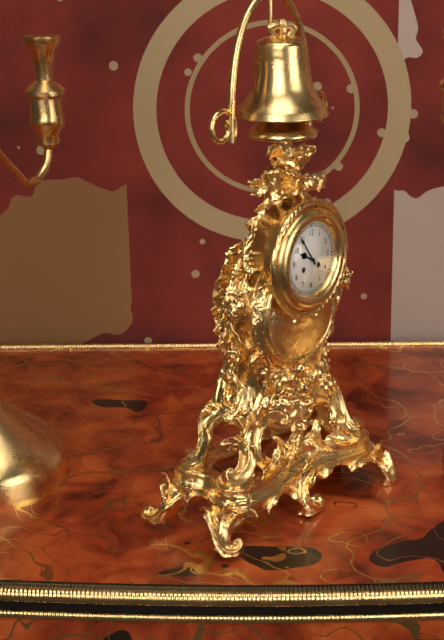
9:54
